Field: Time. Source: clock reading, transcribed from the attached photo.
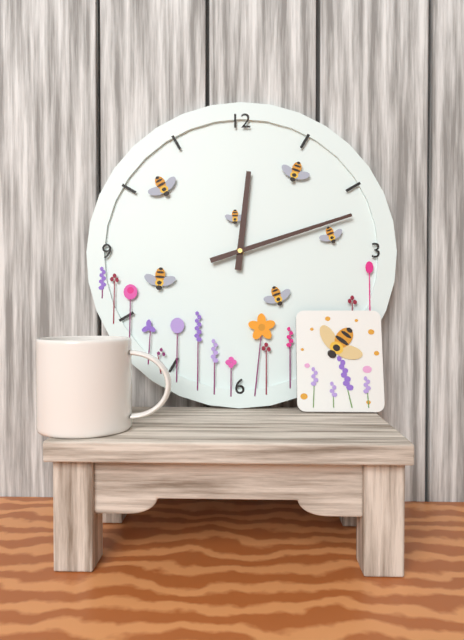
12:12
